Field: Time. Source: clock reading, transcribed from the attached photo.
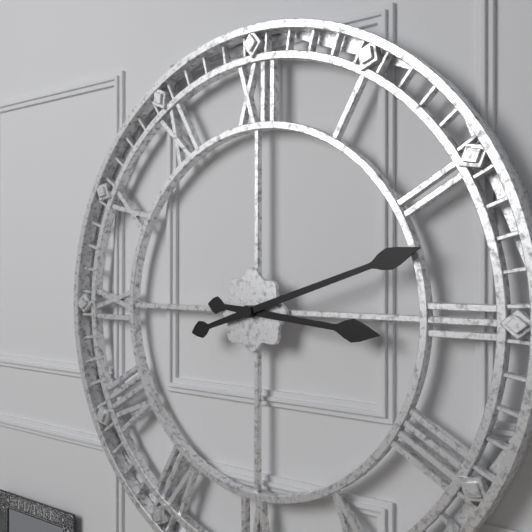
3:12
